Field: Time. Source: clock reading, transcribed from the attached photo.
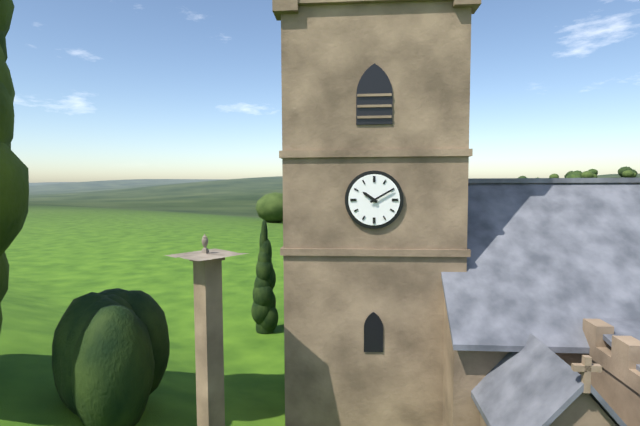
10:10
